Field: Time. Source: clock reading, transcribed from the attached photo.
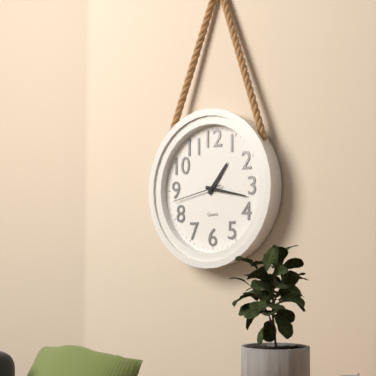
1:17:43
